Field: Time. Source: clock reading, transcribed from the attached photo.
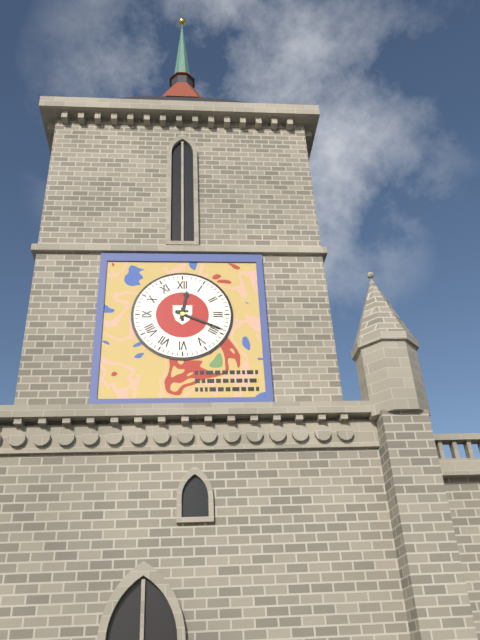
12:19
